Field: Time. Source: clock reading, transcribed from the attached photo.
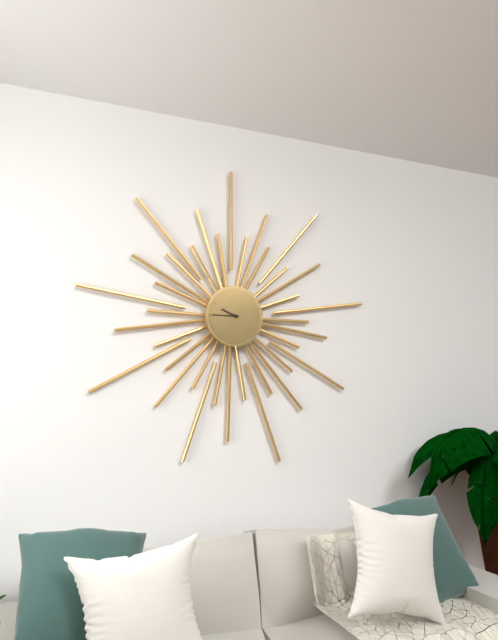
9:45
